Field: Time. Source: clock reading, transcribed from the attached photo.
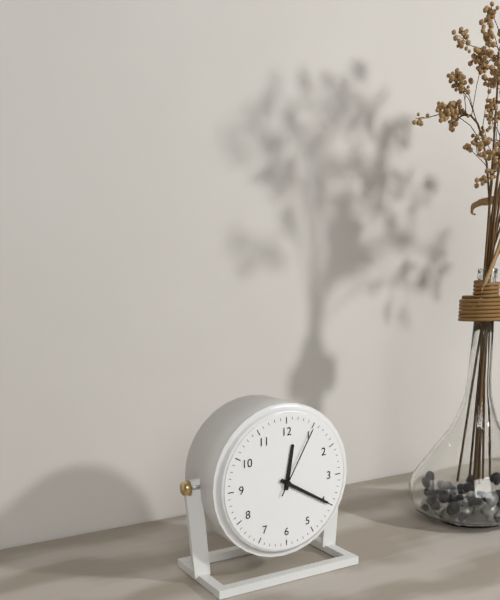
12:20:05
